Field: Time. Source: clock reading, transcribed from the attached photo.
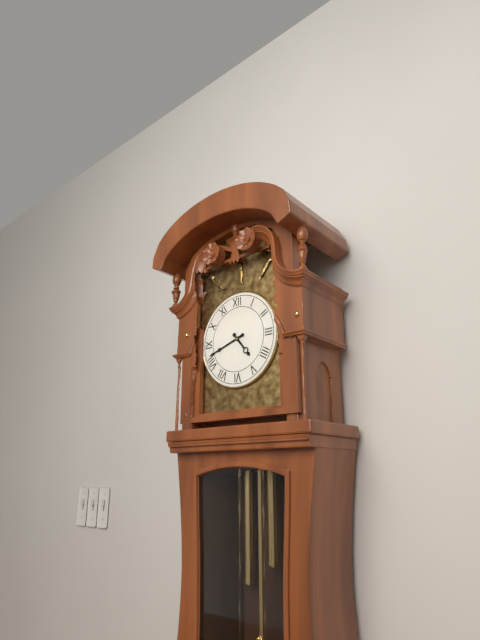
4:42
